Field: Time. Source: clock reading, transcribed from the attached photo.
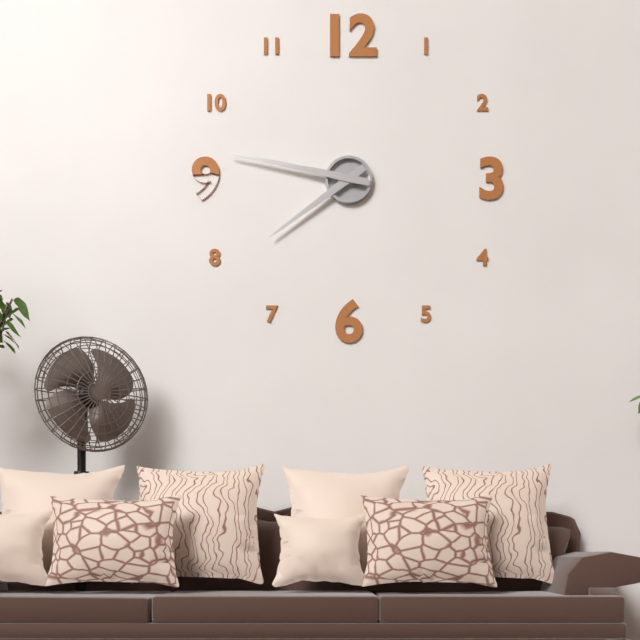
7:47
